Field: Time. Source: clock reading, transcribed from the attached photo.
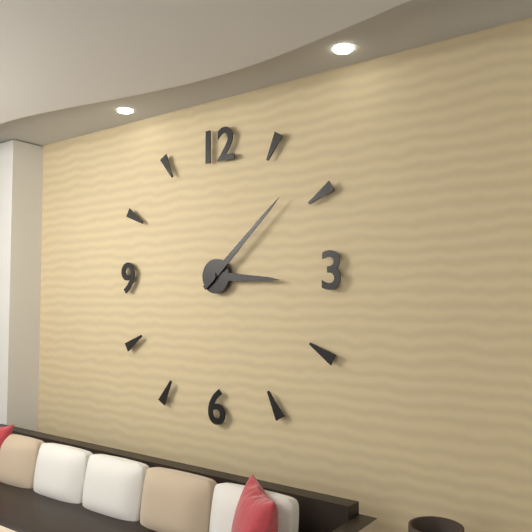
3:08
